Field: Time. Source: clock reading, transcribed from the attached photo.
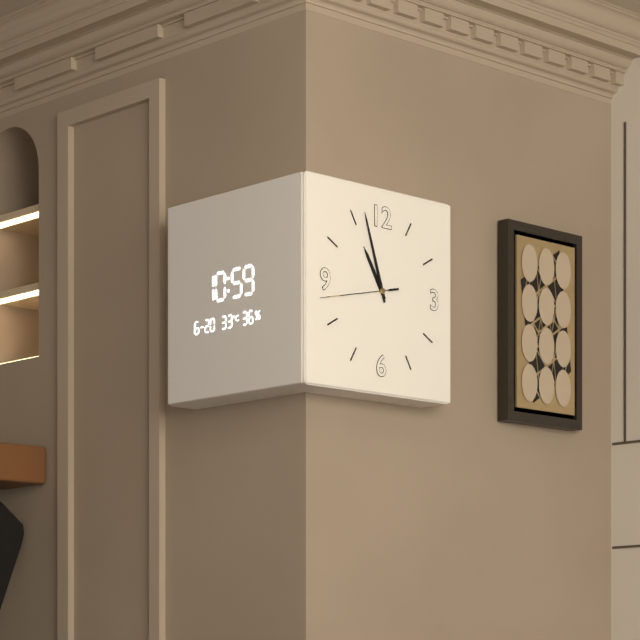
10:57:43
